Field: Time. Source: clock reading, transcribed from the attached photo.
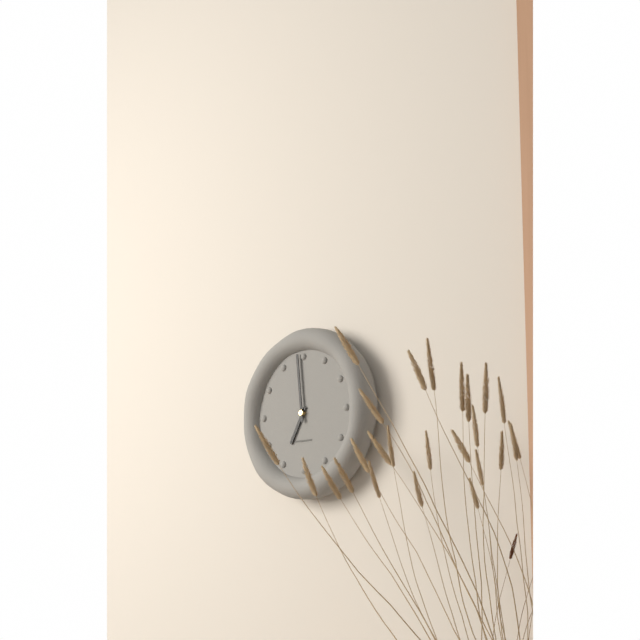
6:59
